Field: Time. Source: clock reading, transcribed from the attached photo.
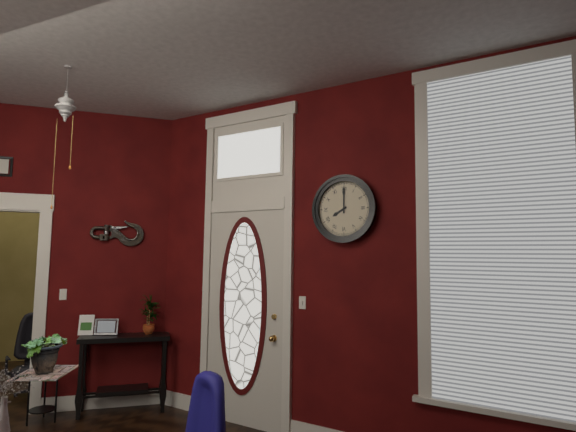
8:00
